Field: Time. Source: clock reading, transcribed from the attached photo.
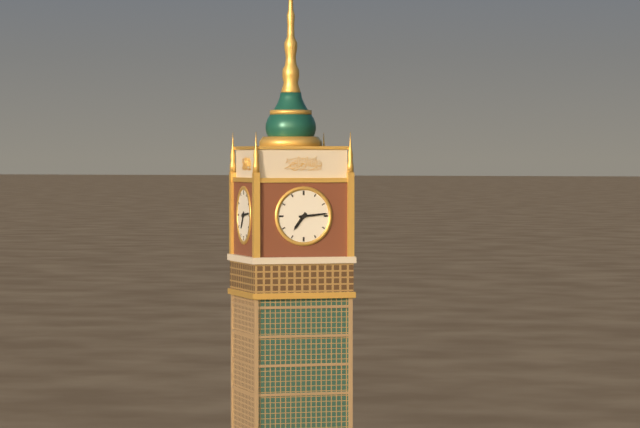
7:14
